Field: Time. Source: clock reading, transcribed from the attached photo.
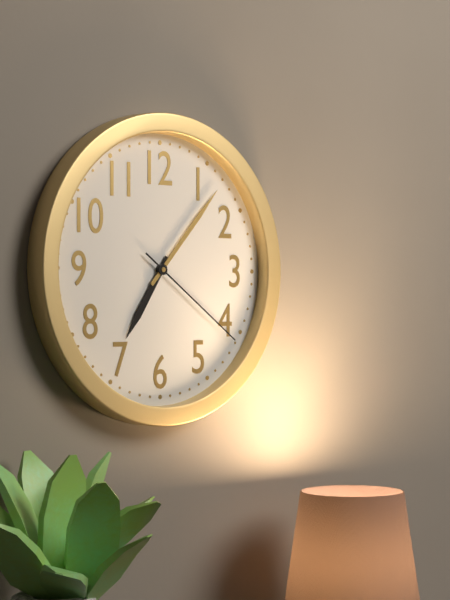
7:07:21
